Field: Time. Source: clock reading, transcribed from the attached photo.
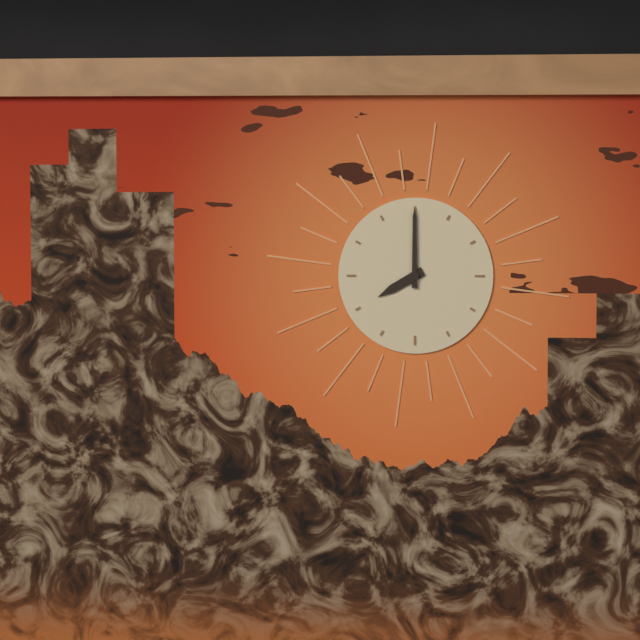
8:00
